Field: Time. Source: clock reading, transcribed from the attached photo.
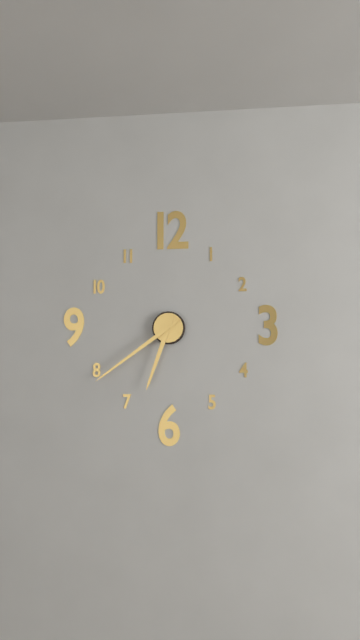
6:39
